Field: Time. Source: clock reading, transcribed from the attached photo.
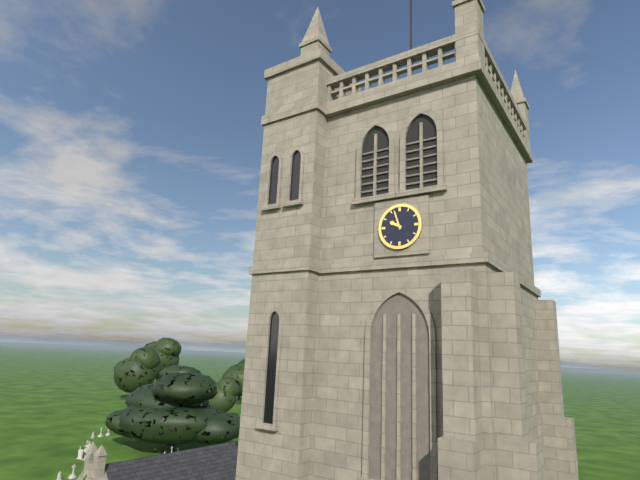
9:57
